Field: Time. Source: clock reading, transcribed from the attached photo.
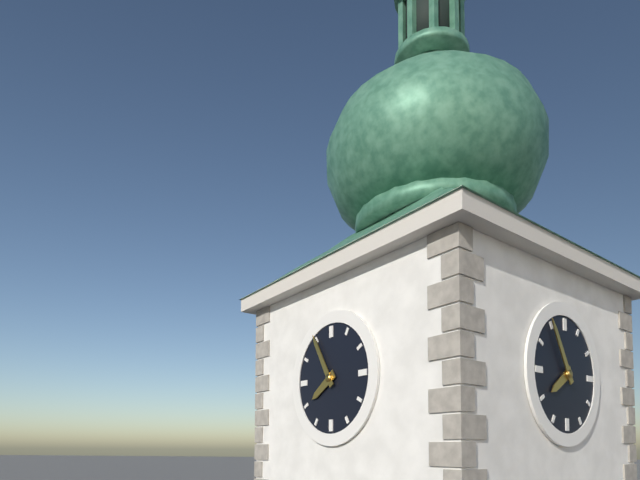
7:55
